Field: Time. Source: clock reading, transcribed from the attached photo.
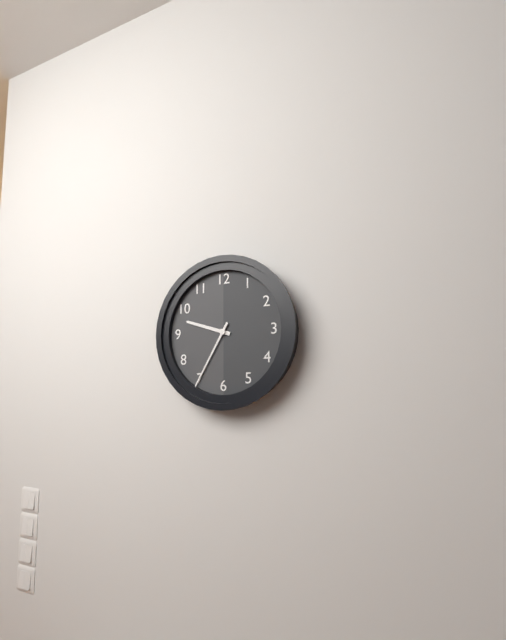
9:35
